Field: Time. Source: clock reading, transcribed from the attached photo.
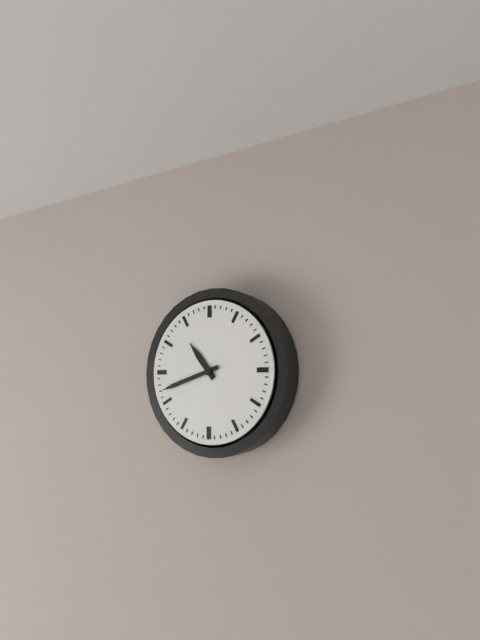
10:42
